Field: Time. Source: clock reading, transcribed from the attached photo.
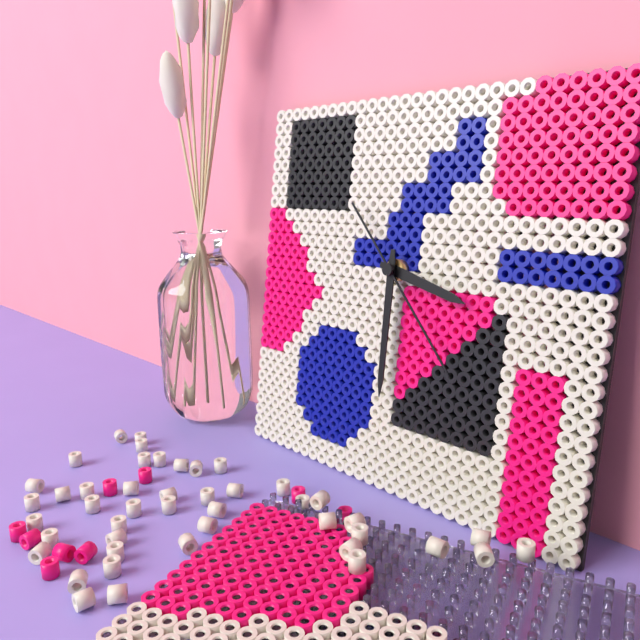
3:30:23
